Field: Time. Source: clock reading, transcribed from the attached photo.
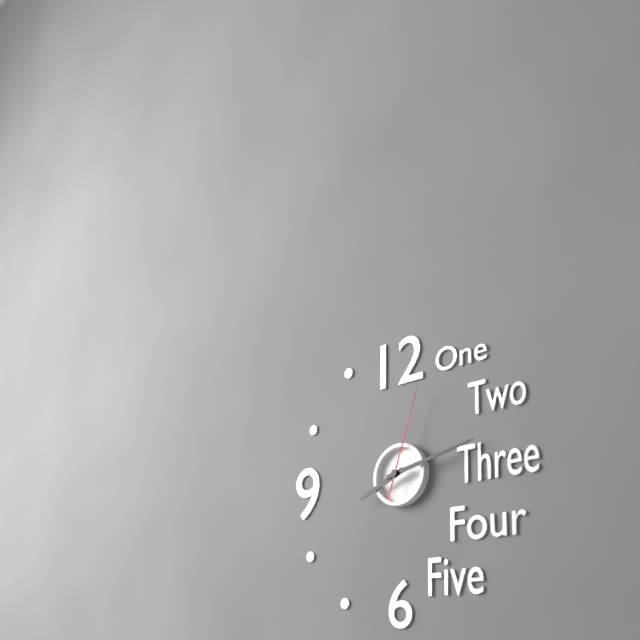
8:13:03
